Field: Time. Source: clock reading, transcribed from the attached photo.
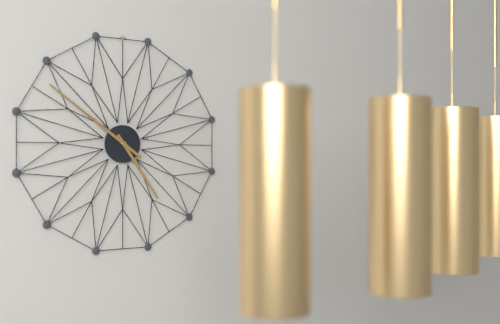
4:51
